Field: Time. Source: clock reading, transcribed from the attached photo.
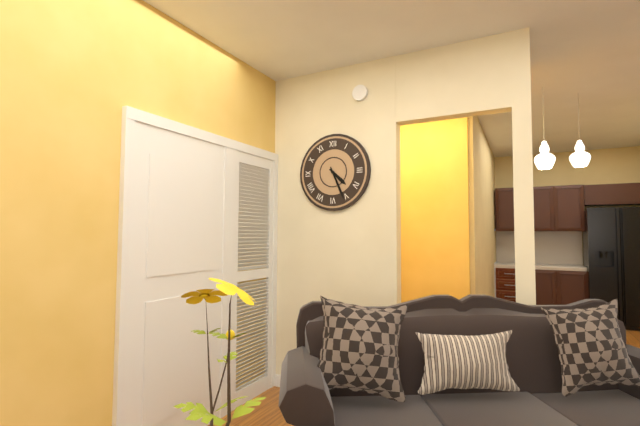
4:26
